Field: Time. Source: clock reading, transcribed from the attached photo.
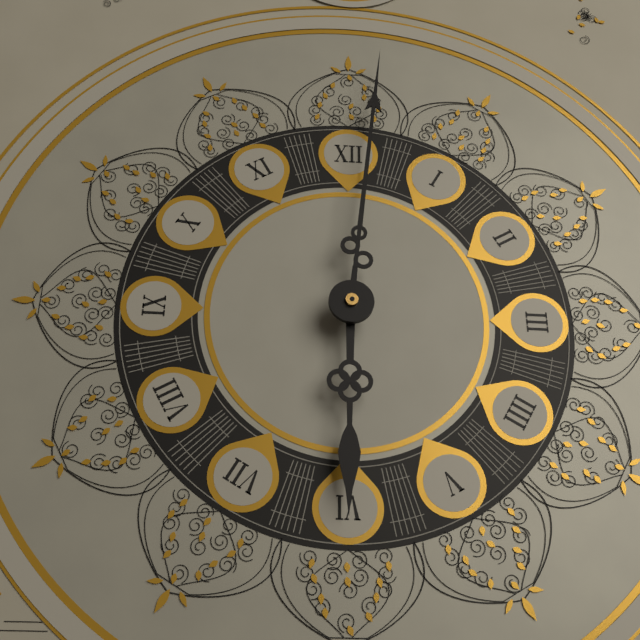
6:01
